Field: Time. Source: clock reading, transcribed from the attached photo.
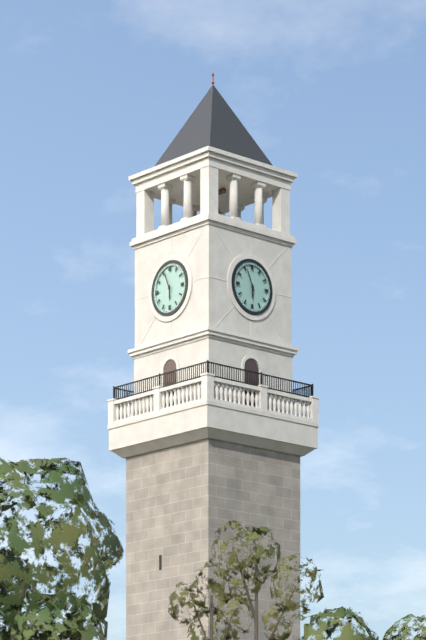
5:56
